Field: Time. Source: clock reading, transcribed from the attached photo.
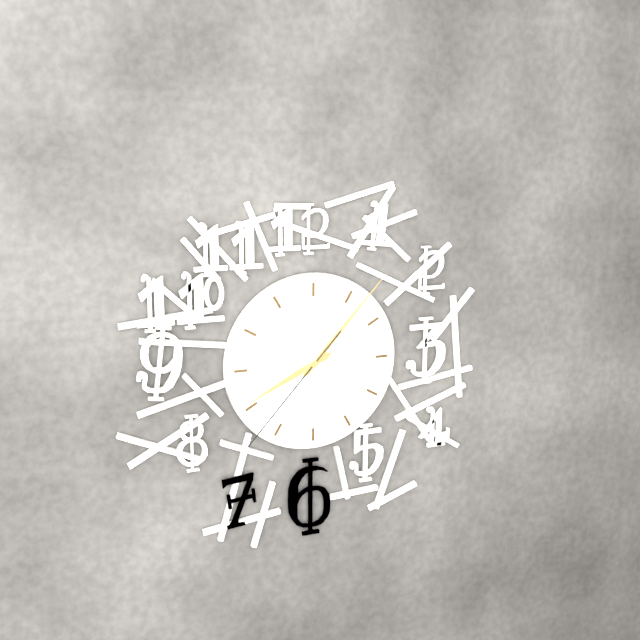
8:07:37
